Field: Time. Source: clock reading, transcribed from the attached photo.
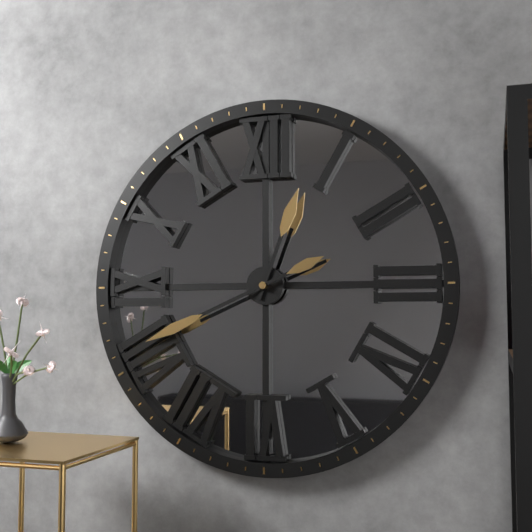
12:41
